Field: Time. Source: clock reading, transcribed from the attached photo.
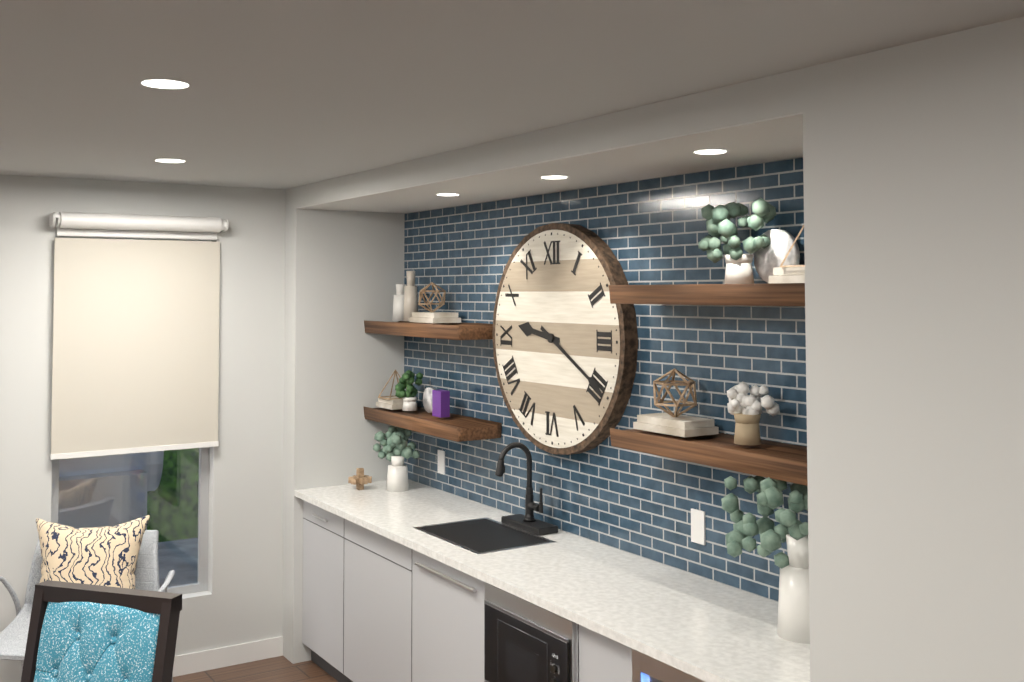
9:20
